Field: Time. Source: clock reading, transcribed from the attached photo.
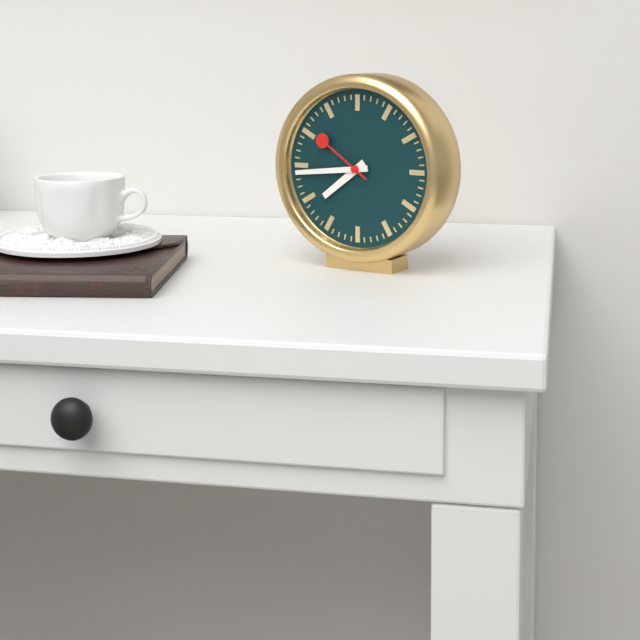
7:44:51
